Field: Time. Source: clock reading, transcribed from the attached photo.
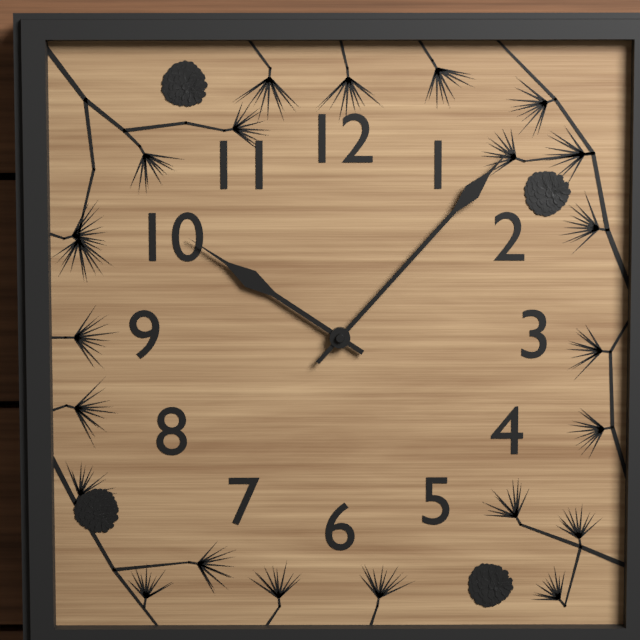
10:07
